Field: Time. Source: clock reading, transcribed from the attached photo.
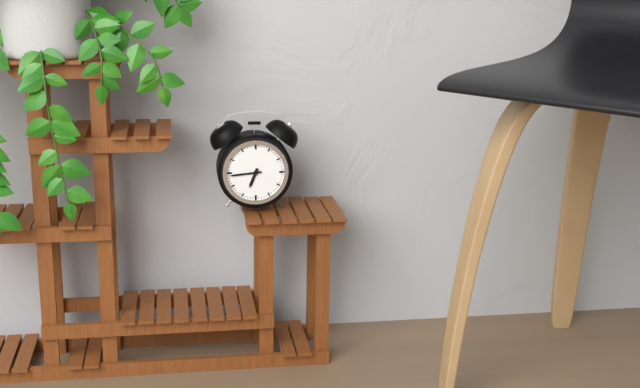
6:44
